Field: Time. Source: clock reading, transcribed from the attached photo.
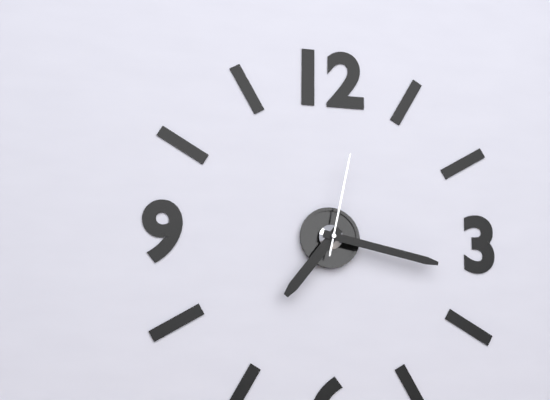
7:17:02
